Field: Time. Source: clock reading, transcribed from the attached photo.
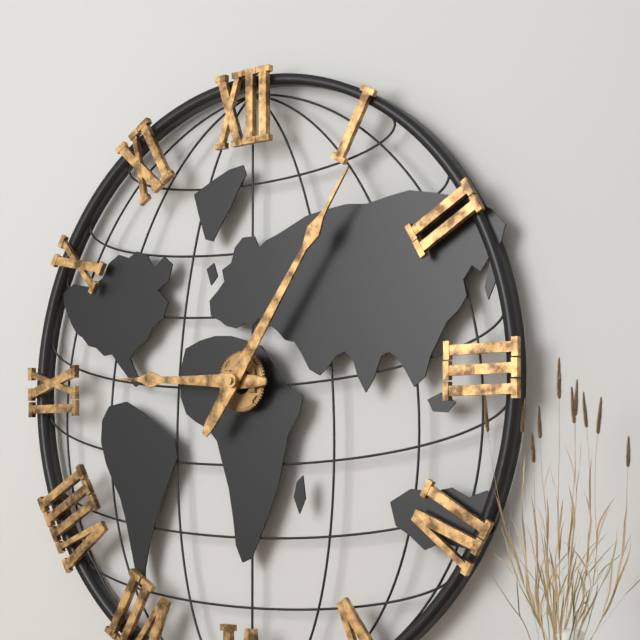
9:06
